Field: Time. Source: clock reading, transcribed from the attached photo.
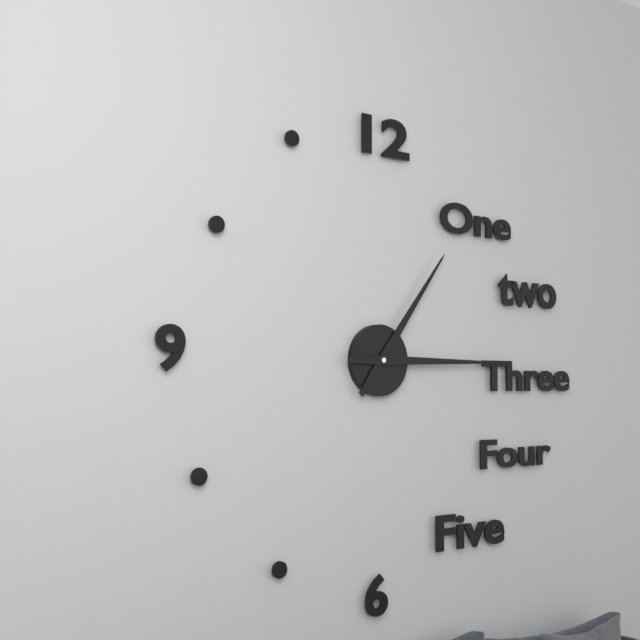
1:15
